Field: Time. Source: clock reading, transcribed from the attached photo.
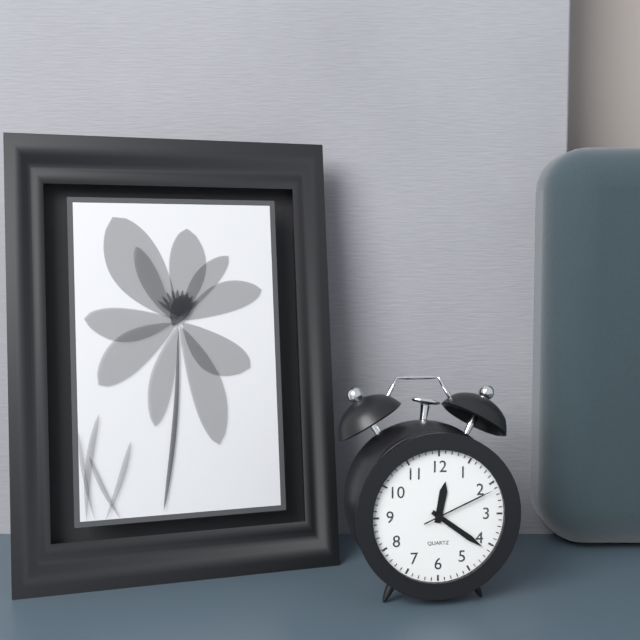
12:21:11
